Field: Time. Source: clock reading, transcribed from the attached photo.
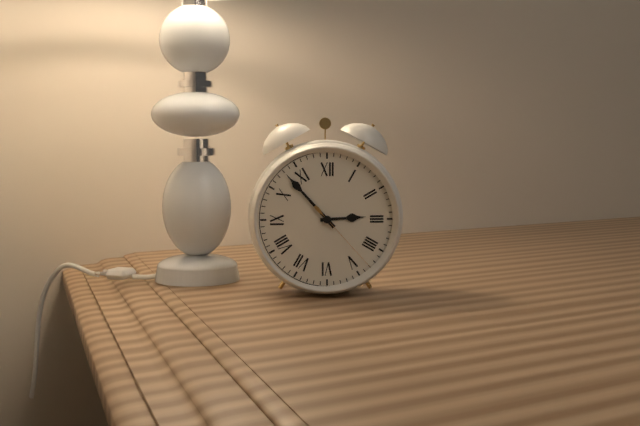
2:53:23
